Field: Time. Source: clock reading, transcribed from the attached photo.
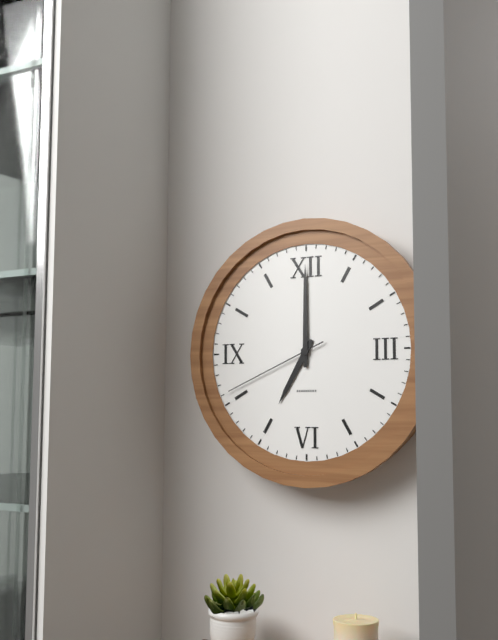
7:00:41
